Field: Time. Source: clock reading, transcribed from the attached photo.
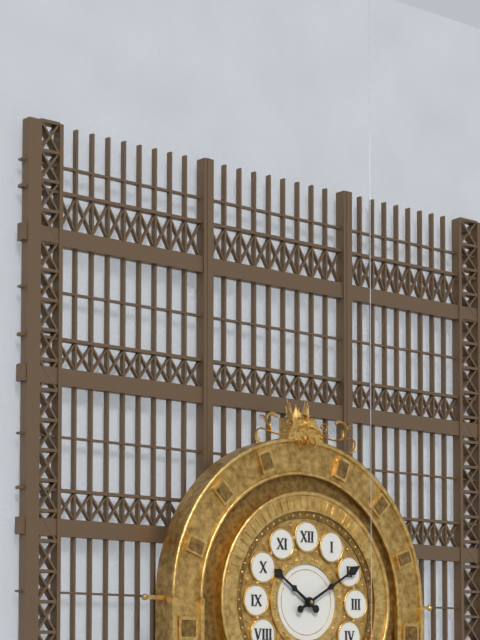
10:10
